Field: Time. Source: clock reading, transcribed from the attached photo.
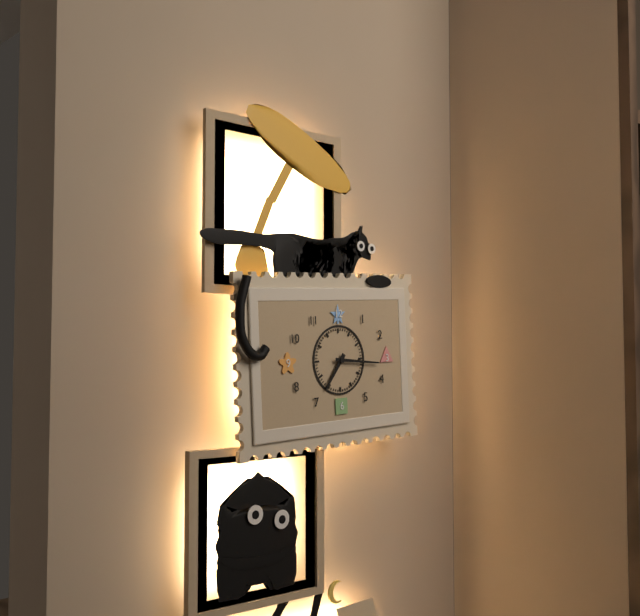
7:16
